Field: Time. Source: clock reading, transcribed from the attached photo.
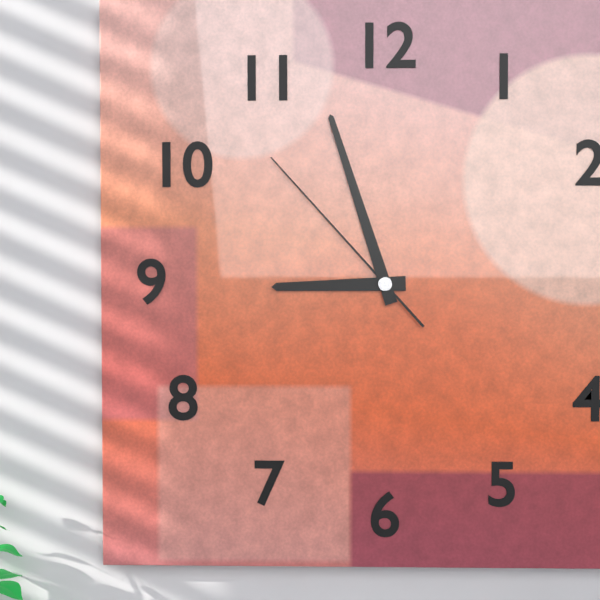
8:57:53
